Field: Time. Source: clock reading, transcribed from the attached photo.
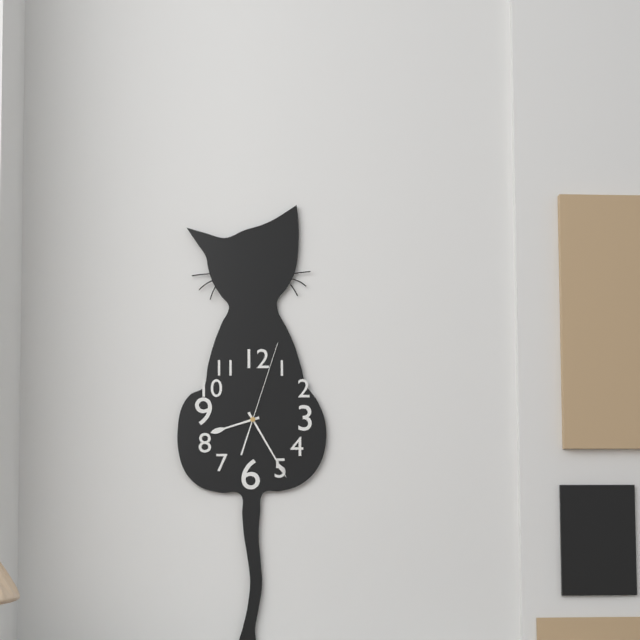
8:25:03
